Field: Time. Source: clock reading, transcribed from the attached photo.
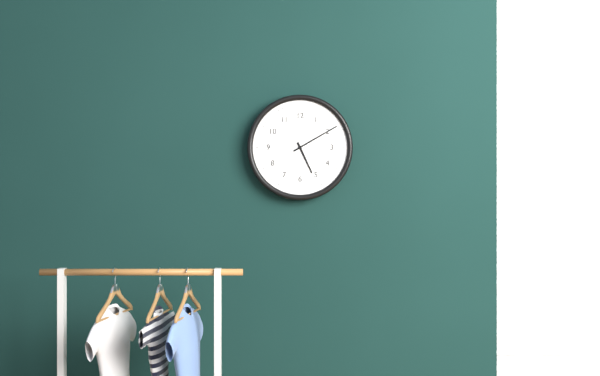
5:10
